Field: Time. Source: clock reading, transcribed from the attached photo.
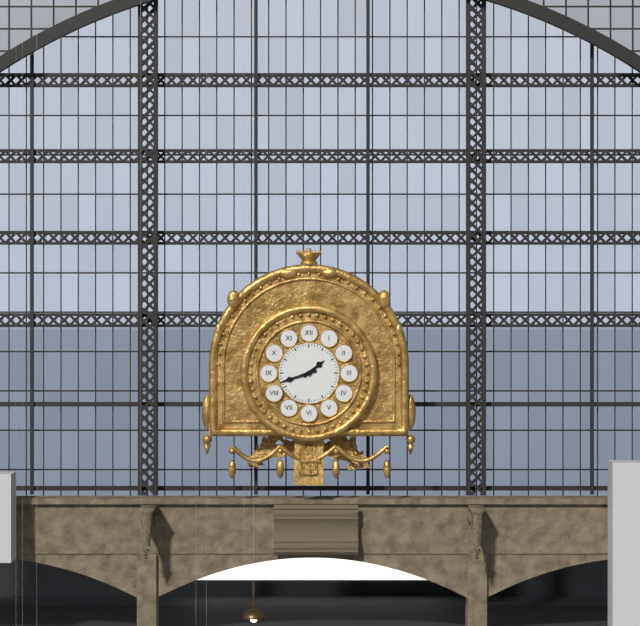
1:42
